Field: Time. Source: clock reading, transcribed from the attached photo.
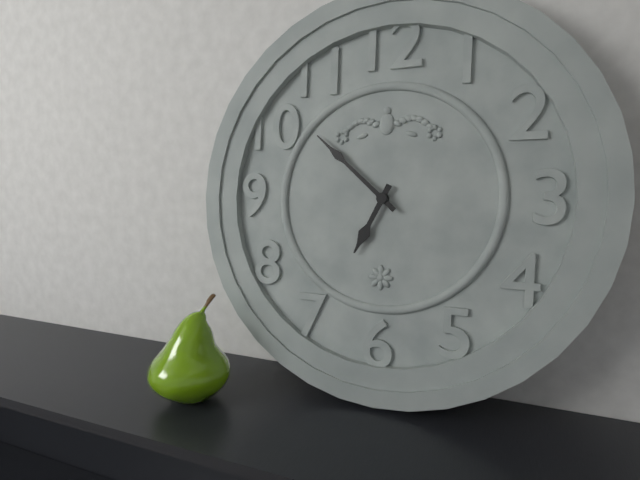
6:52
